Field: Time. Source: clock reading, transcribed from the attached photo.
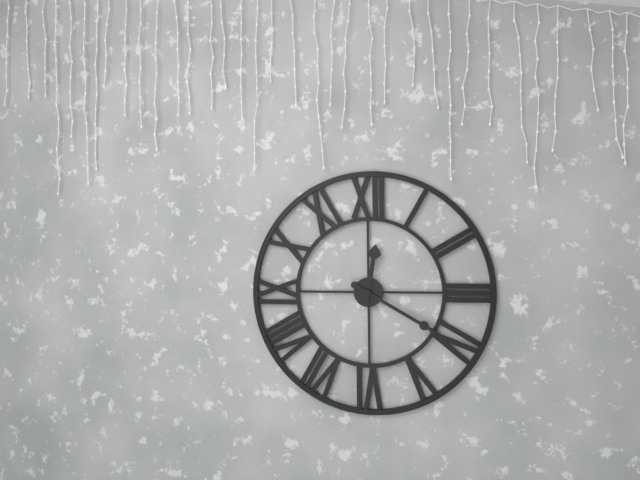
12:20
